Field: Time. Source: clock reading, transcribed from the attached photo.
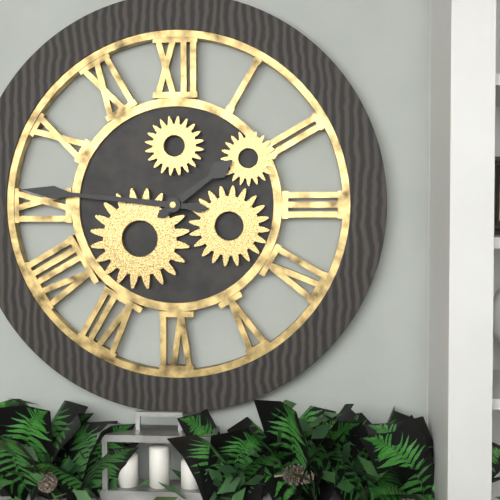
1:46
